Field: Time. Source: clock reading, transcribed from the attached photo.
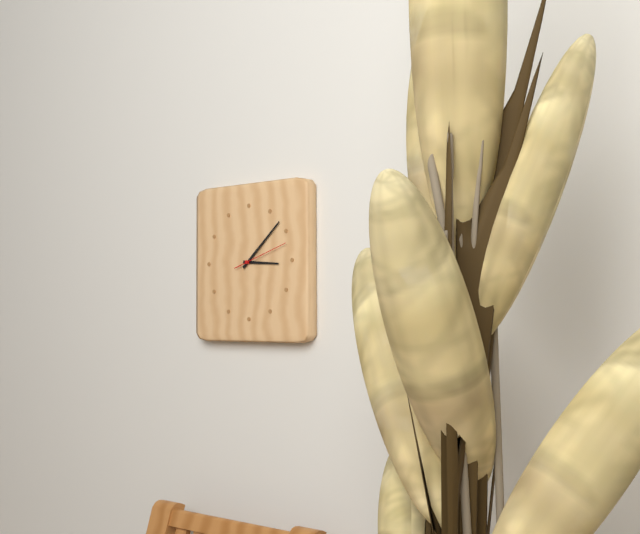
3:08:12
